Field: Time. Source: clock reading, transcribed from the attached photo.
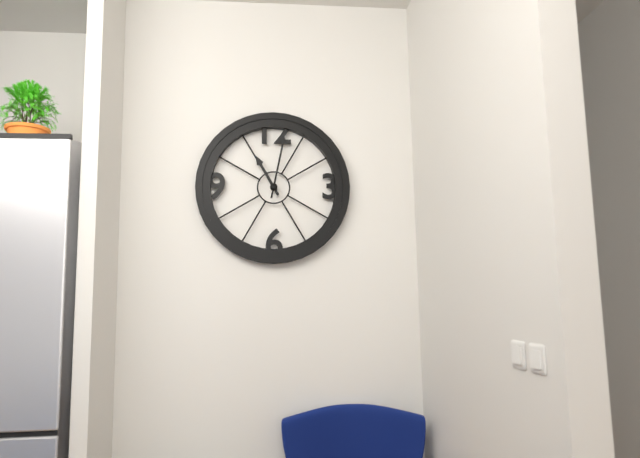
11:02
